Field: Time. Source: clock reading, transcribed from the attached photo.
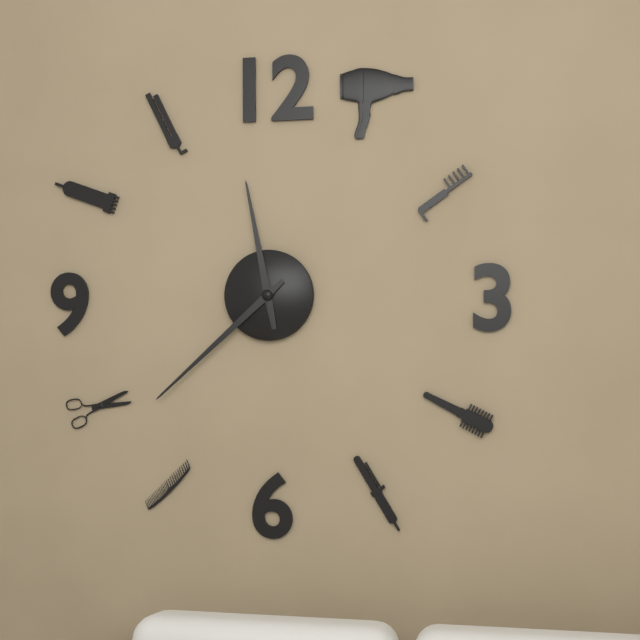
11:38
